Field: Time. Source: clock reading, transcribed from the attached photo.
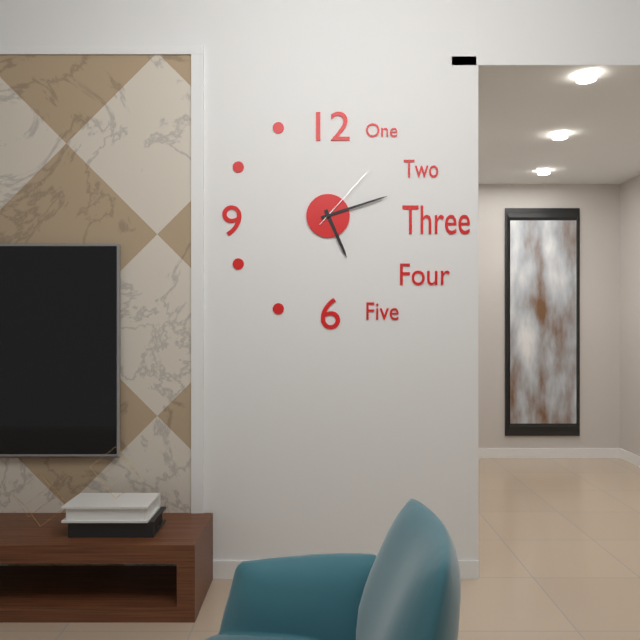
5:12:07
